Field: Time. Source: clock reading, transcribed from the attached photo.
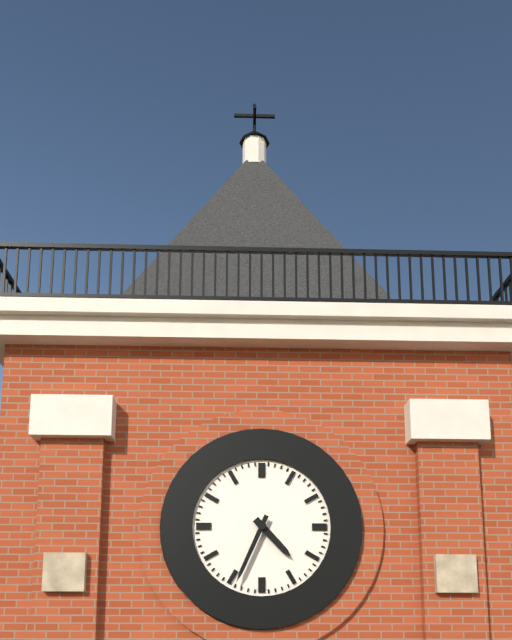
4:34
